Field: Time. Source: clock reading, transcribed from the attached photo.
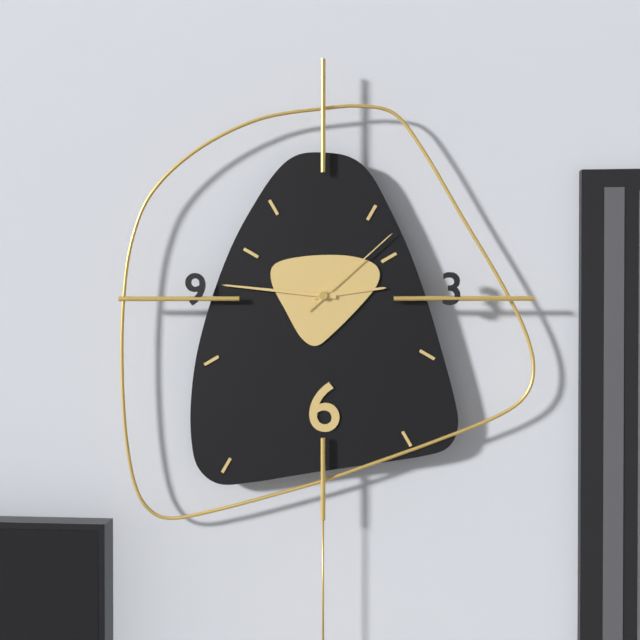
2:46:08
